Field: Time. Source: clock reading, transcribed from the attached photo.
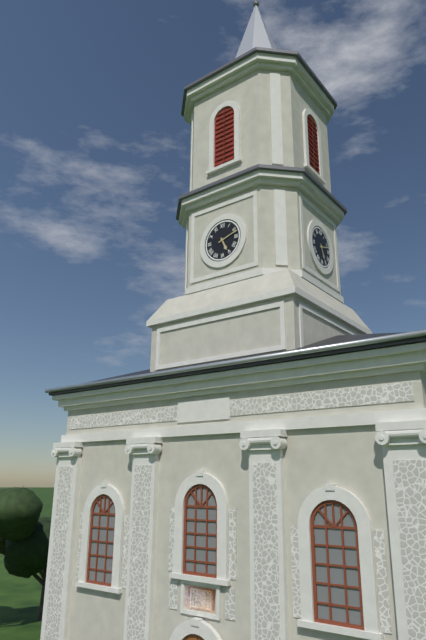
5:12
